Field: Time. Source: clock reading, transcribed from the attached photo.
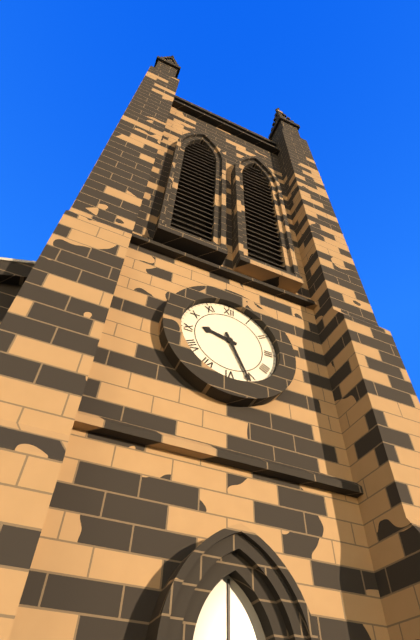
9:26
